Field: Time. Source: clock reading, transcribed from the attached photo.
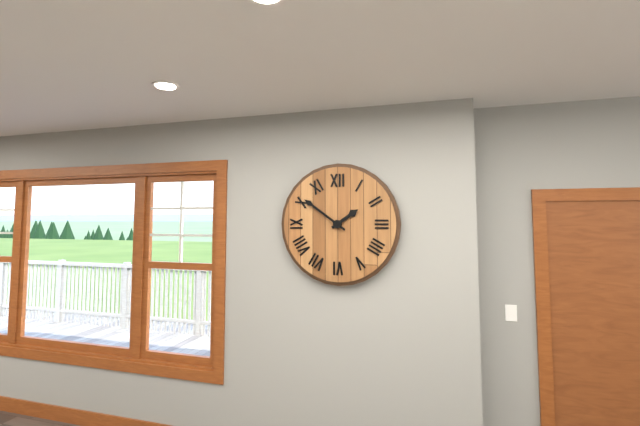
1:51
